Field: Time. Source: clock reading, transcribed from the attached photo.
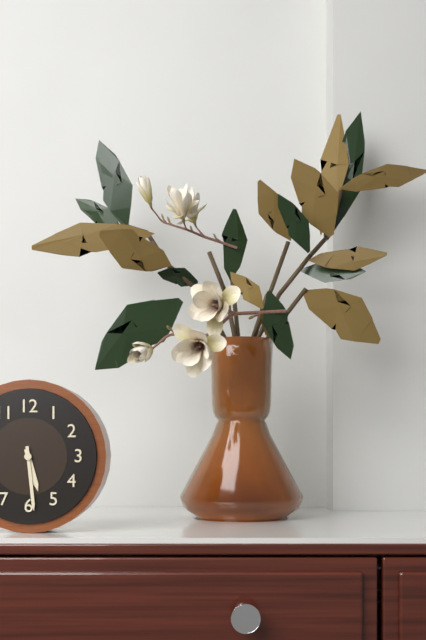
5:29
